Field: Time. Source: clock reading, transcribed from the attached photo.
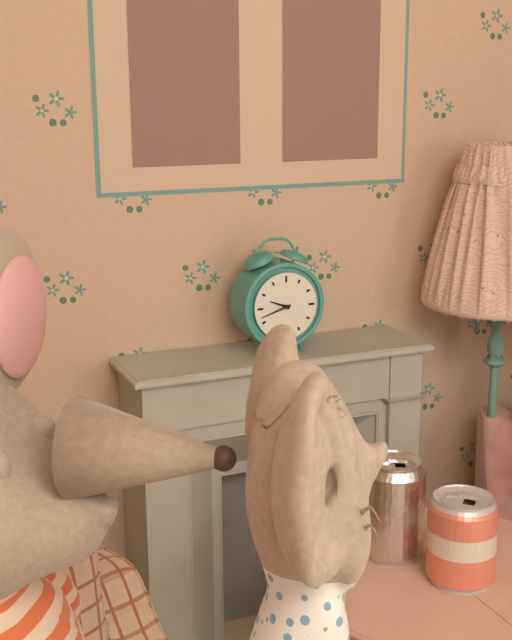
9:42
